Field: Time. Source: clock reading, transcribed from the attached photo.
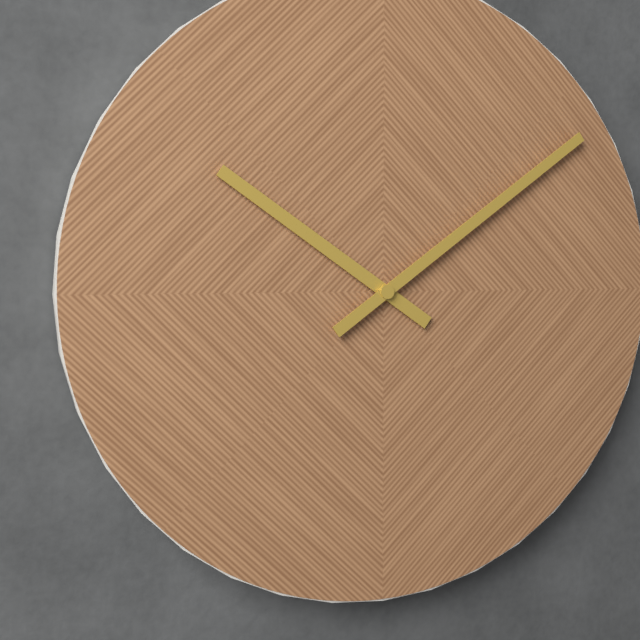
10:09
